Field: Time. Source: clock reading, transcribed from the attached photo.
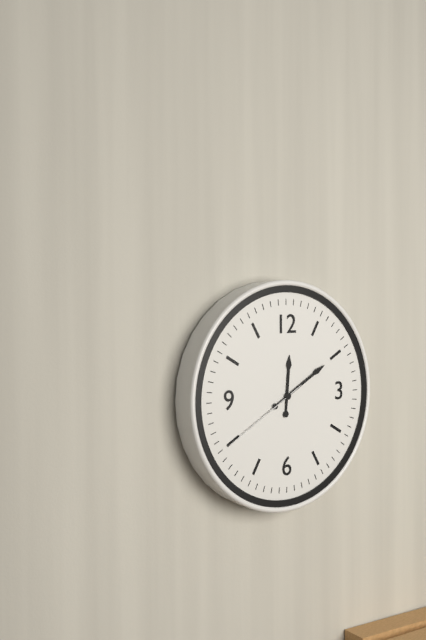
12:10:40
